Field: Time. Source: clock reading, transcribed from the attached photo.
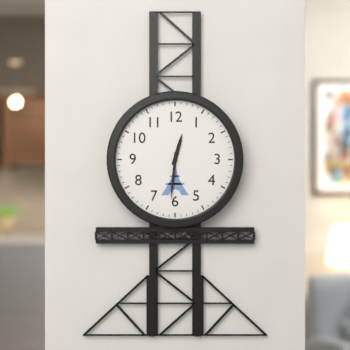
12:31
